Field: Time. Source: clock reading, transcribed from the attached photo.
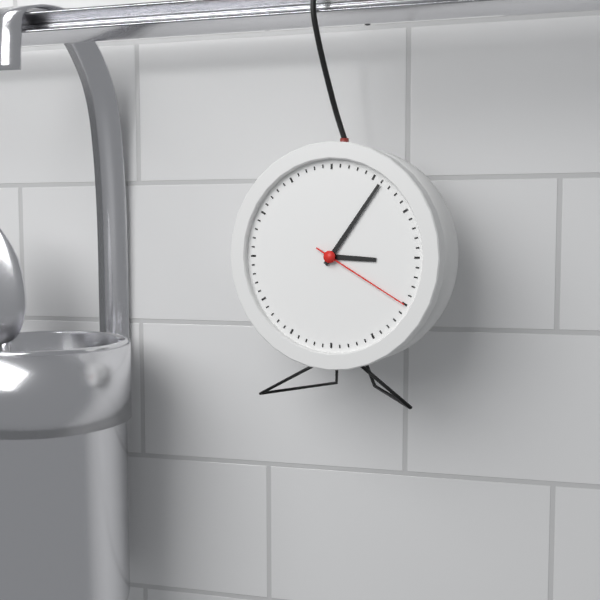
3:06:20
